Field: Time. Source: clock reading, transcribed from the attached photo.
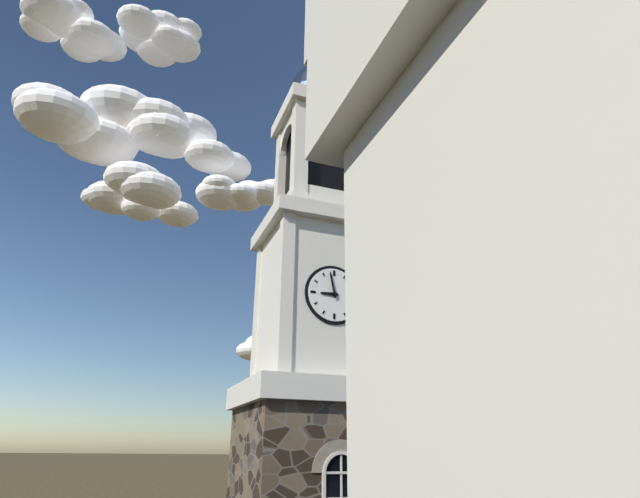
8:58
